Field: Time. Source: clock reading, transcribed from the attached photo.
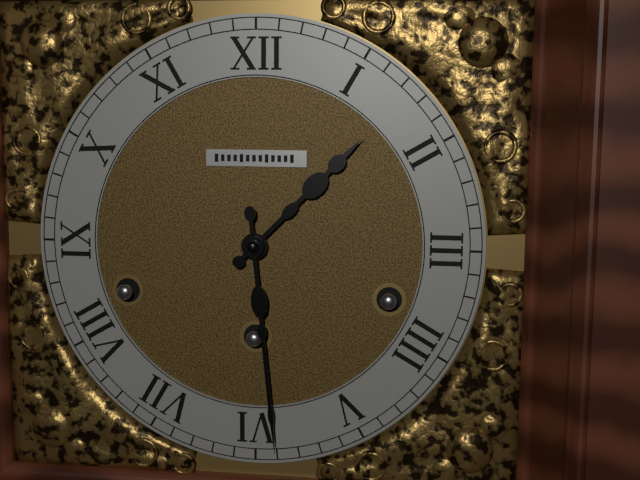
1:29
